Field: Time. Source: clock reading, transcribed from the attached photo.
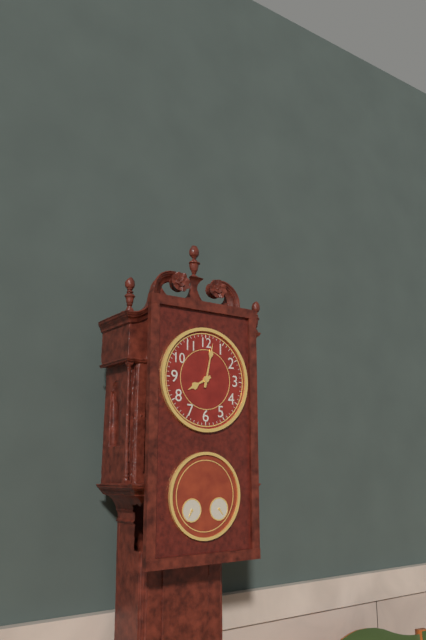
8:02
